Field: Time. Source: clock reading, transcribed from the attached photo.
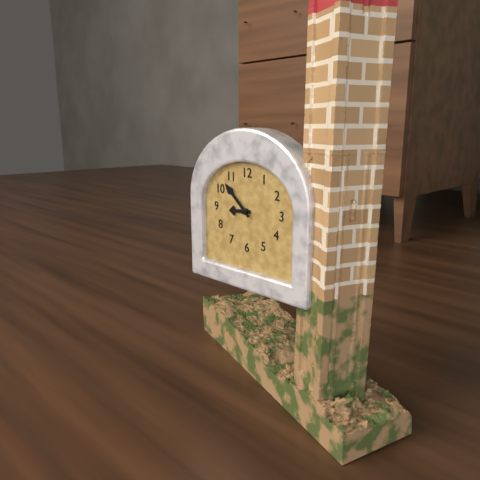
8:52
